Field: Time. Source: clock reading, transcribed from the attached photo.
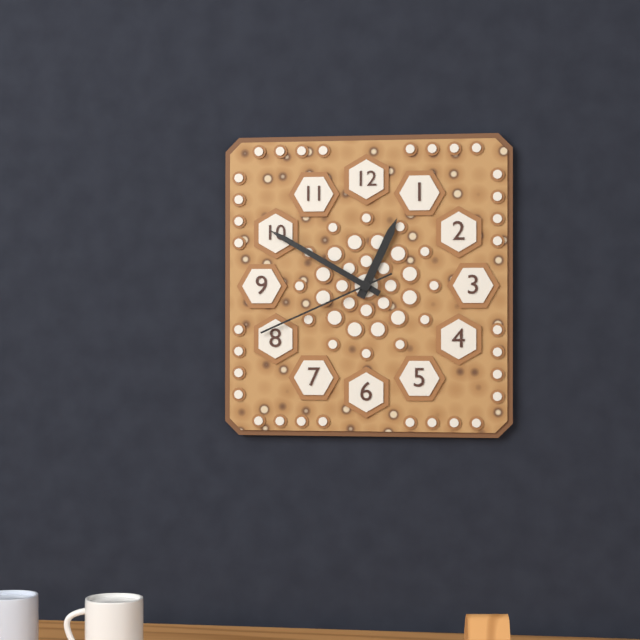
12:50:41
